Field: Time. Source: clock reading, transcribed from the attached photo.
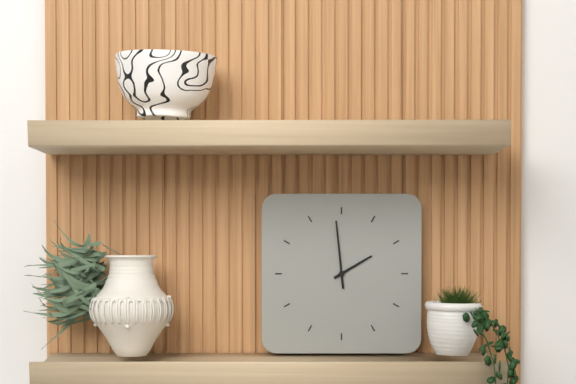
1:59
